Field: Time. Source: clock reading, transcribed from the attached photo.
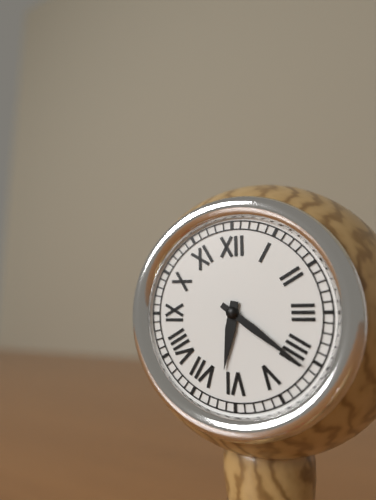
6:21
